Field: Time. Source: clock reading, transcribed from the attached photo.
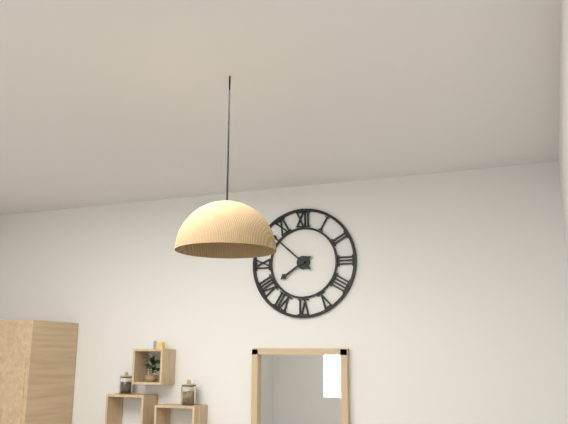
7:52
